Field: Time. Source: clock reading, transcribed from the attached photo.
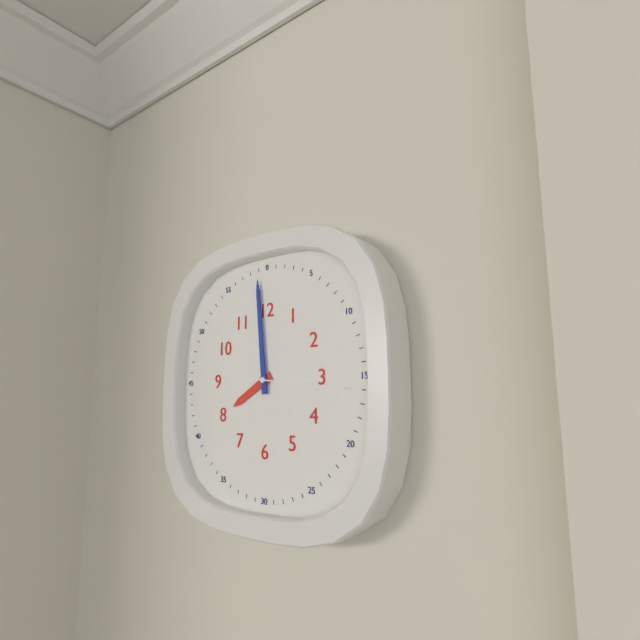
7:59:16
